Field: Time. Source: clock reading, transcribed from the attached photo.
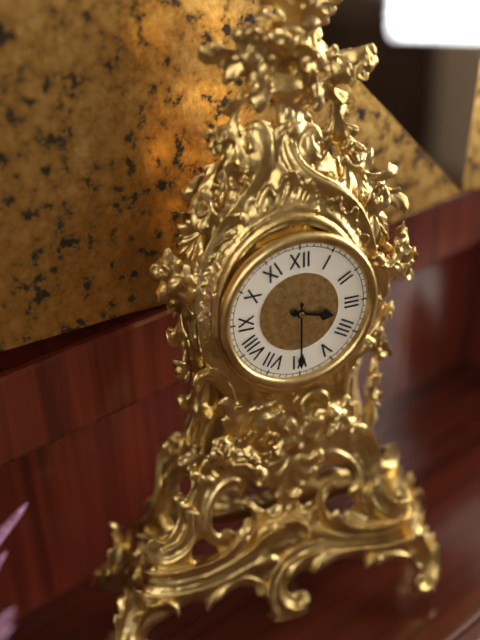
3:30
